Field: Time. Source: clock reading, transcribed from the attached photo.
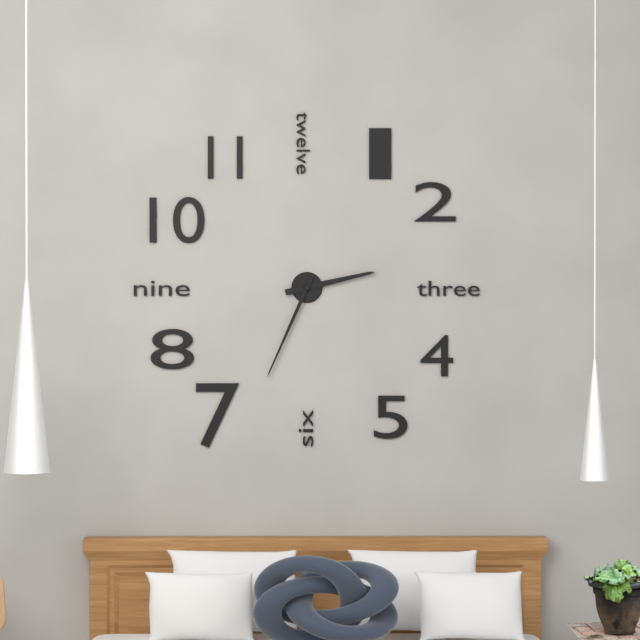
2:34
